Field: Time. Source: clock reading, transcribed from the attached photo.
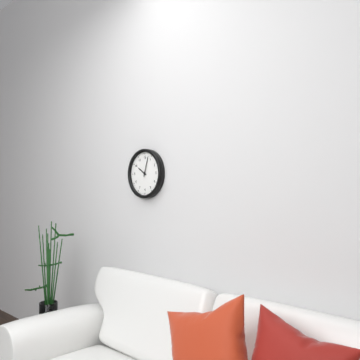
10:03
